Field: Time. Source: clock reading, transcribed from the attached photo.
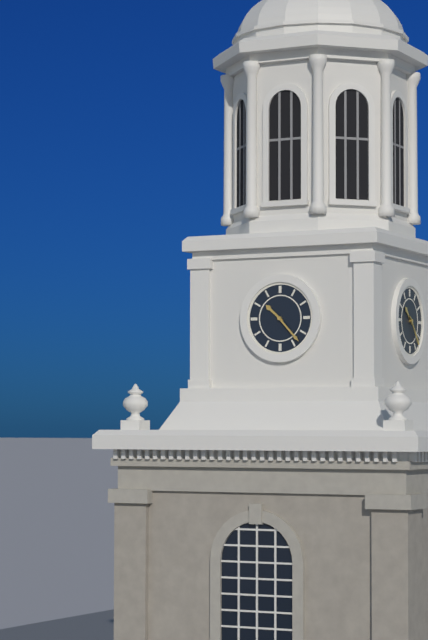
10:23
